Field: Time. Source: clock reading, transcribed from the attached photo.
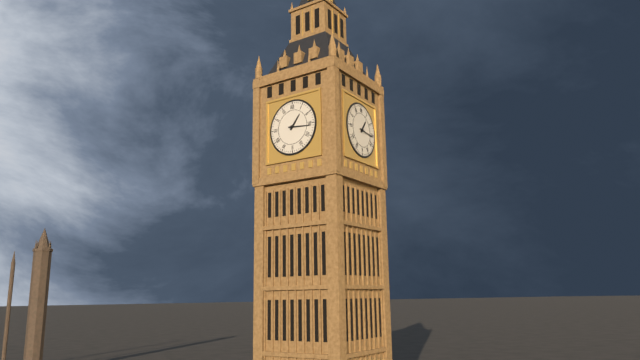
1:16
